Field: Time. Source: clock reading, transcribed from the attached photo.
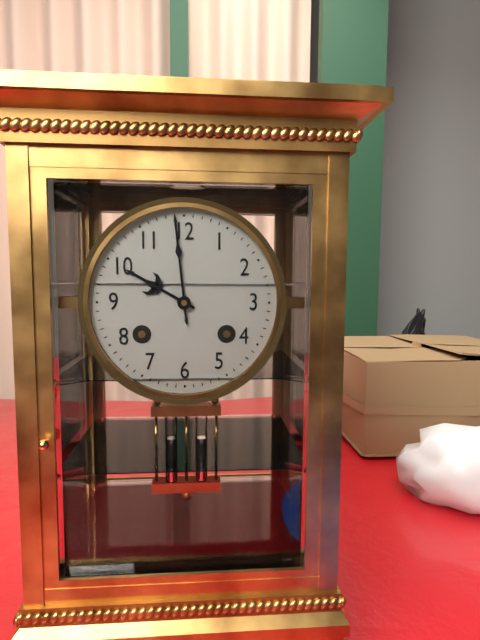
9:59
